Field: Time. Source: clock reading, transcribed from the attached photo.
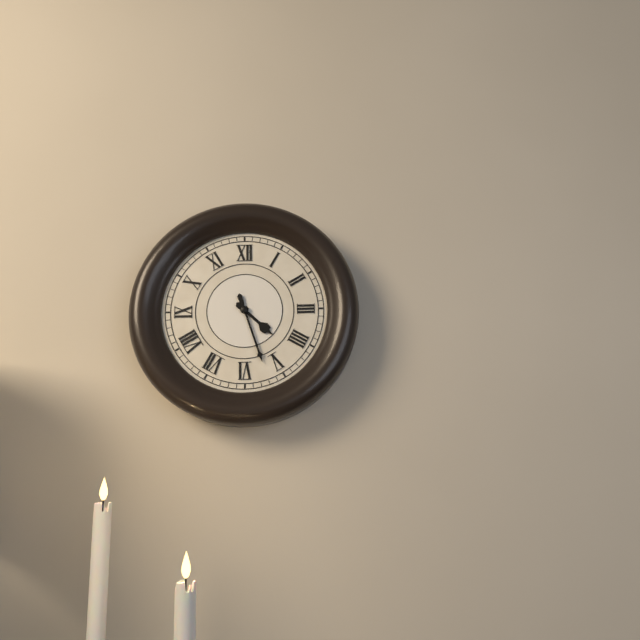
4:27
